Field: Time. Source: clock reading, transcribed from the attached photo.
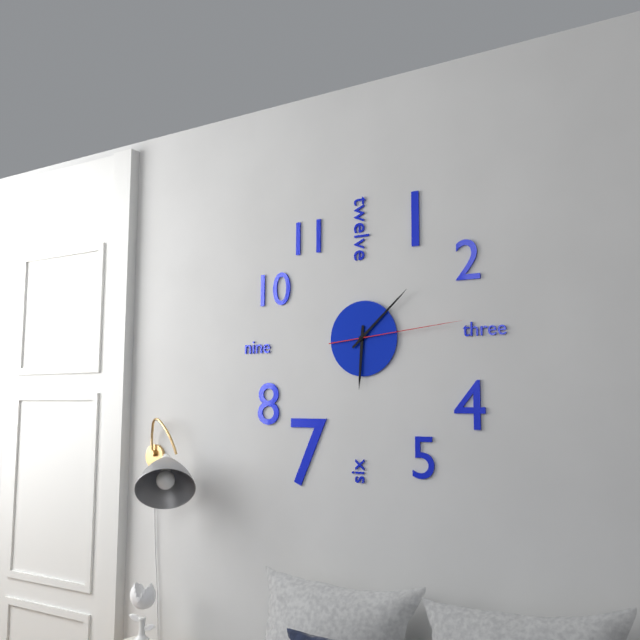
6:08:14
